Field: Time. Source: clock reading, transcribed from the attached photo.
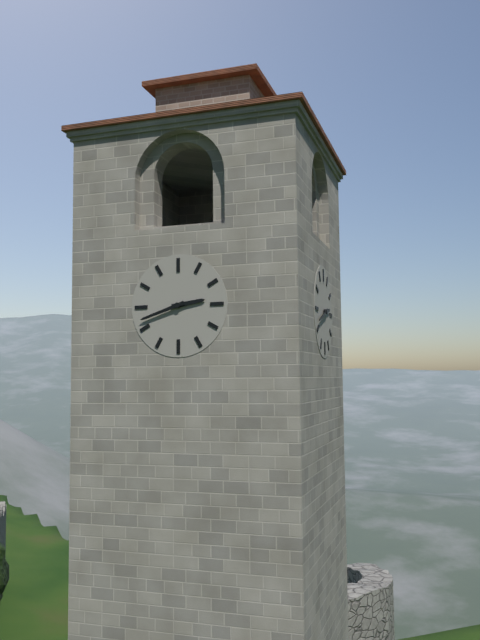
2:42
